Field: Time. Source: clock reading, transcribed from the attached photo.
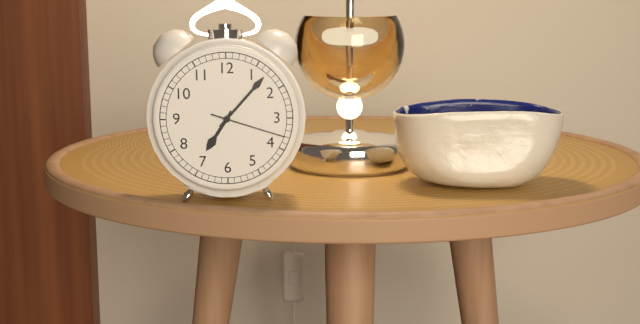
7:07:18
